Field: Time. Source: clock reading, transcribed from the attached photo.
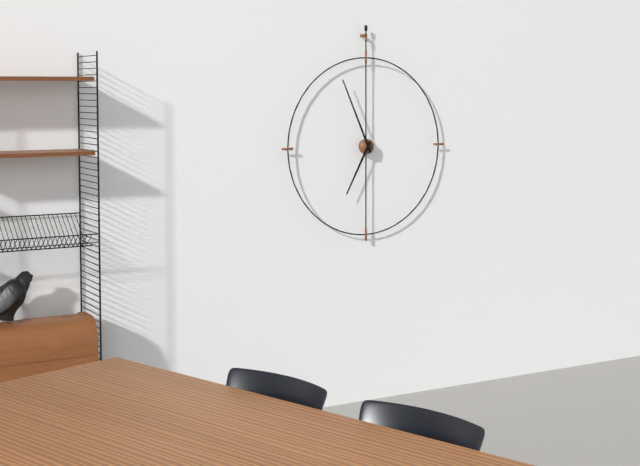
6:56
